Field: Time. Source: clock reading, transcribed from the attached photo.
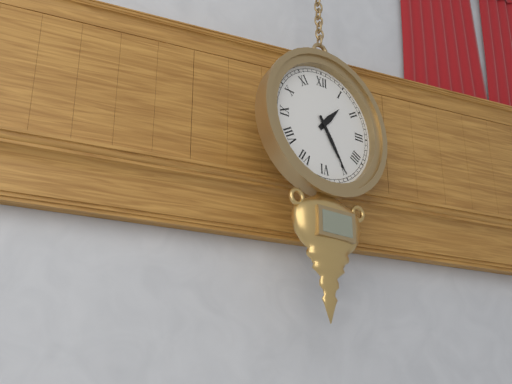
1:25
